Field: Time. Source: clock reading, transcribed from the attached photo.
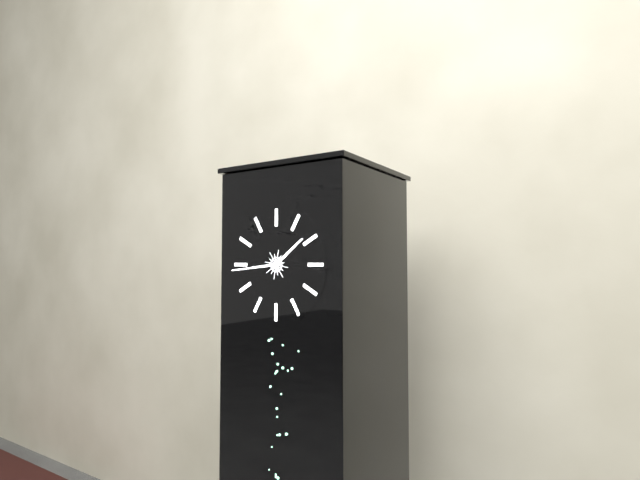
1:44
